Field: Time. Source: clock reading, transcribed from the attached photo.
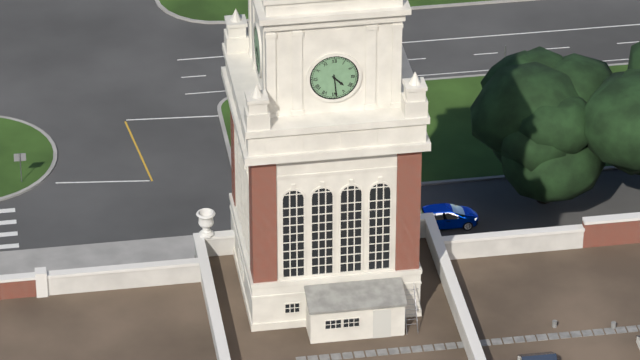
4:29
